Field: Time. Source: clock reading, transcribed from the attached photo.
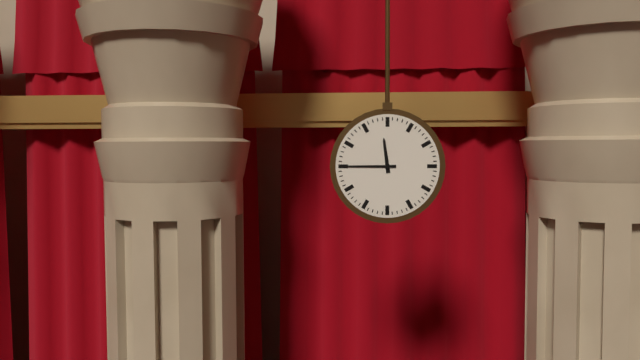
11:45
